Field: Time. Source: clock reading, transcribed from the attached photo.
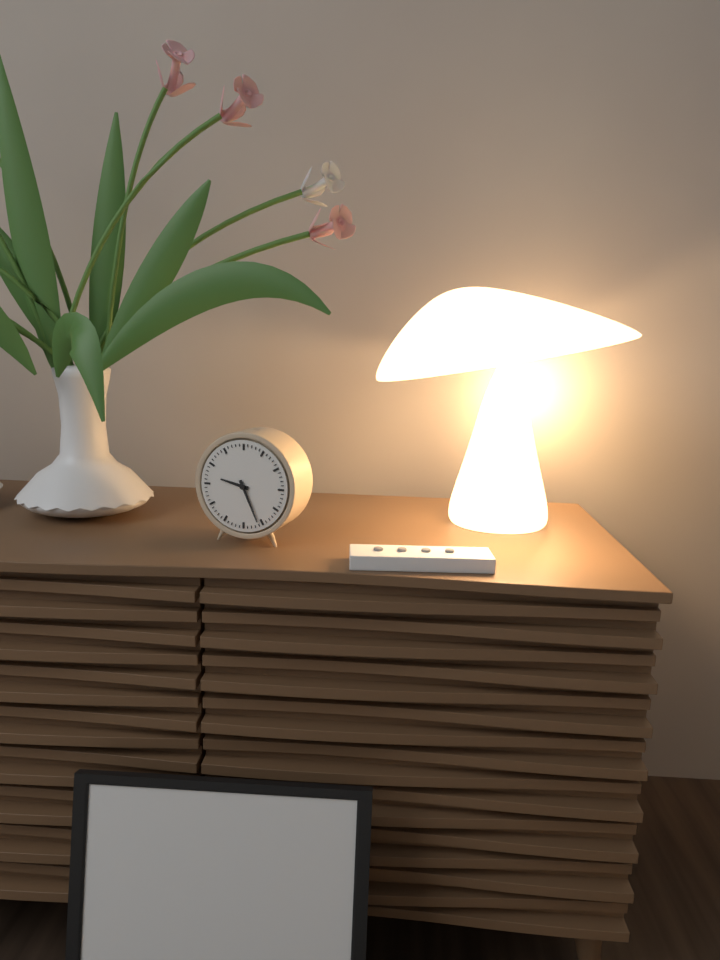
9:26
